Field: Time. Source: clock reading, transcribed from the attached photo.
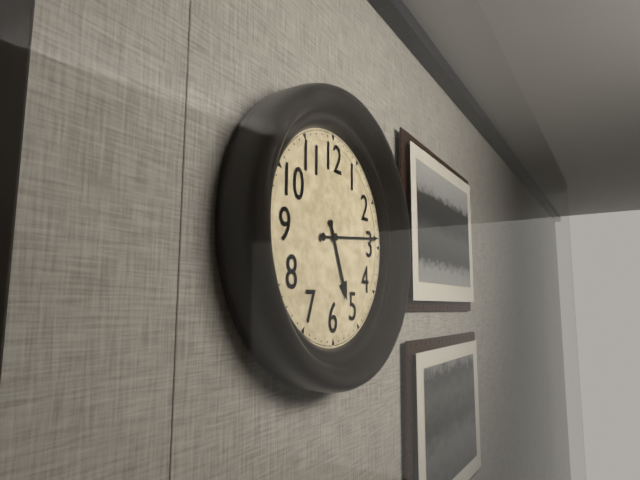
5:14
